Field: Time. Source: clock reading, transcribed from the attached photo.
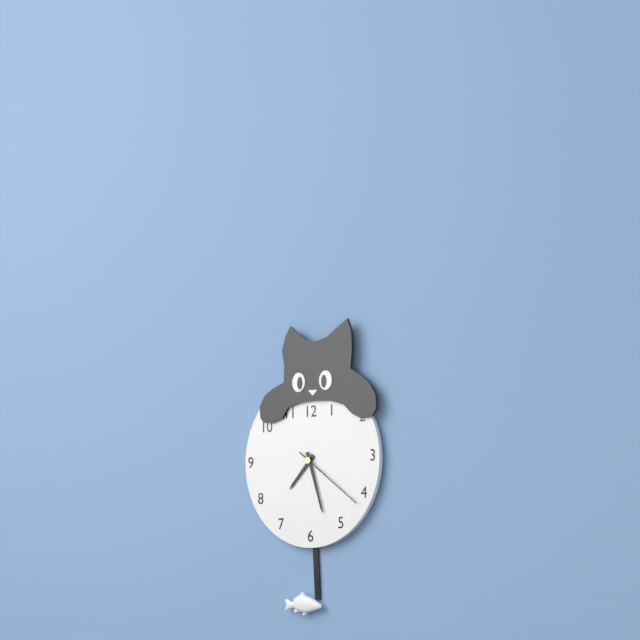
7:27:21
